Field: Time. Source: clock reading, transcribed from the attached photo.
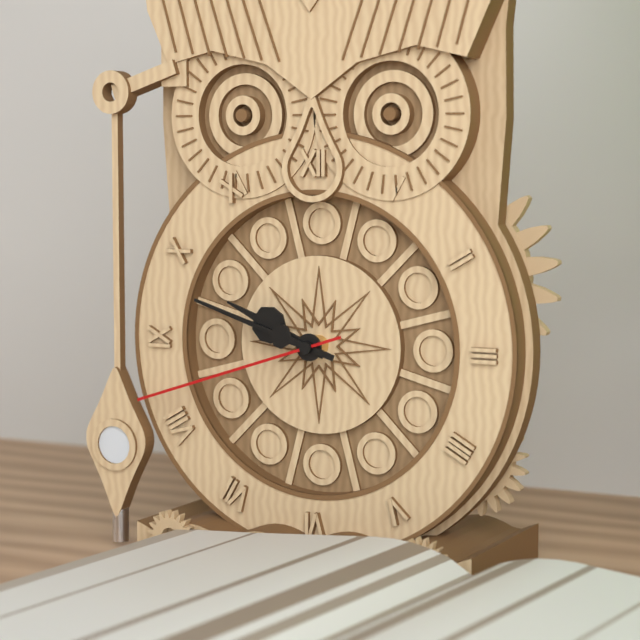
9:48:42
